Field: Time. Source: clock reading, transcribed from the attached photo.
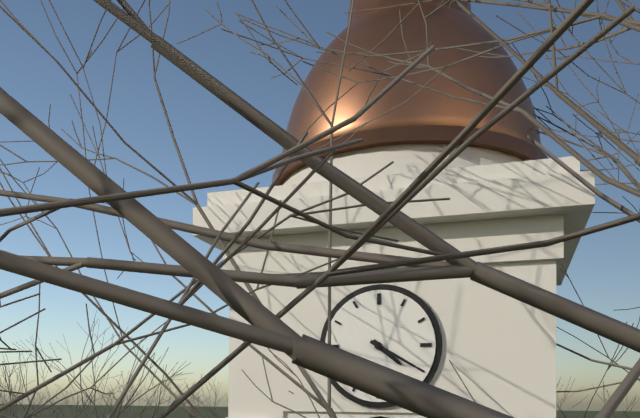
4:20
